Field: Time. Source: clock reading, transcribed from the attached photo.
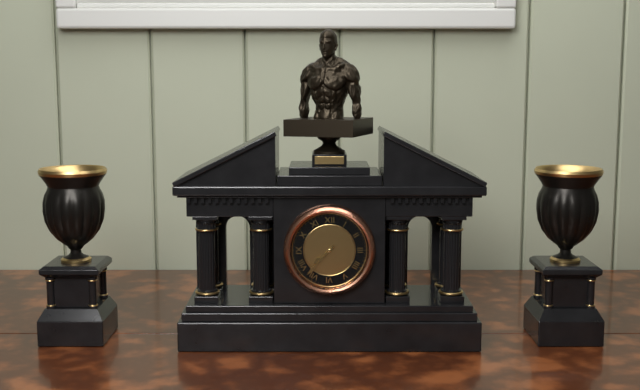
7:37
